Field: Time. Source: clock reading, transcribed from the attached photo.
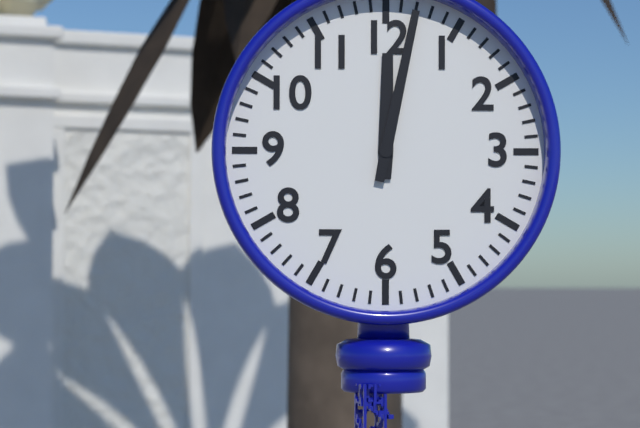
12:02
